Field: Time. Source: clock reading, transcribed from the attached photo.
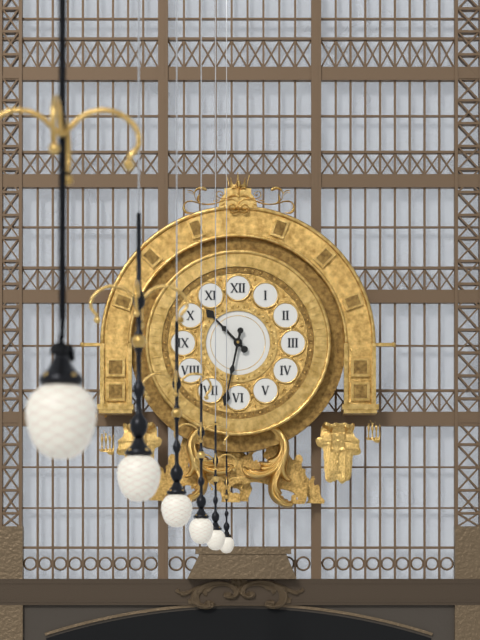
10:32
